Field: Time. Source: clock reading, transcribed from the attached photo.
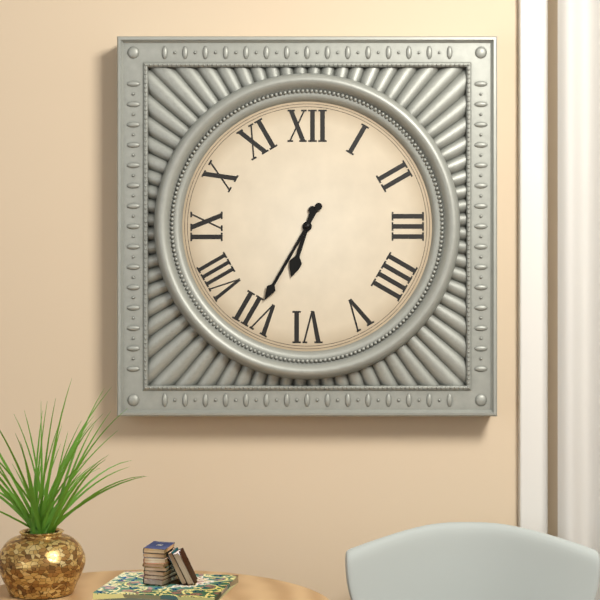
6:35
